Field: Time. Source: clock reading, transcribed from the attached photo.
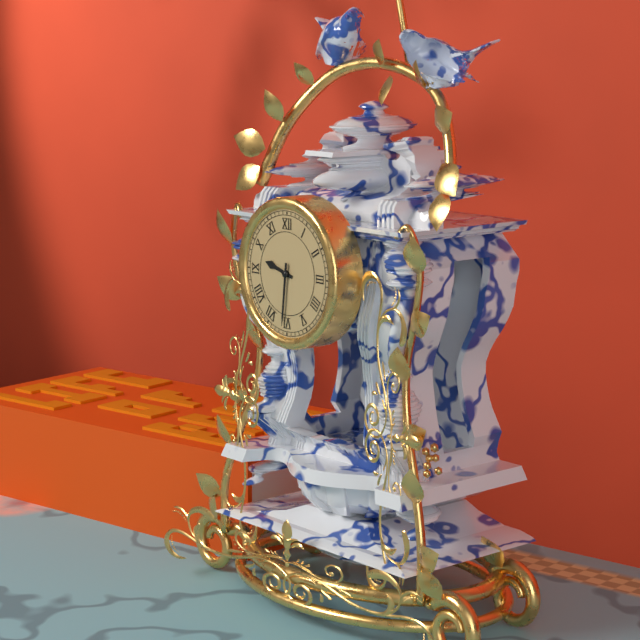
9:31
